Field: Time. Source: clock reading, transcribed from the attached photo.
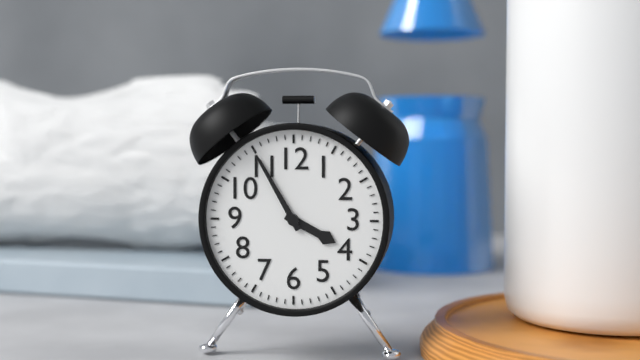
3:55
